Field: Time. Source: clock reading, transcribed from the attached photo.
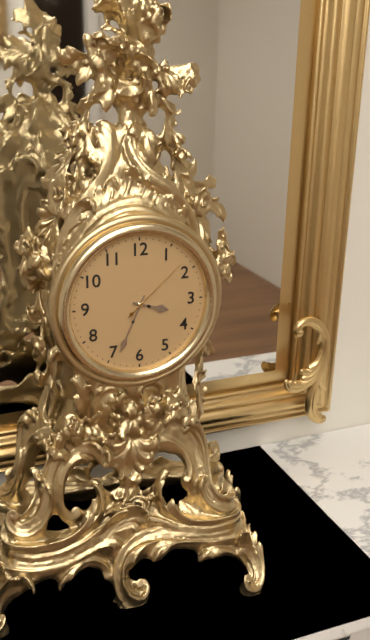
3:34:08
